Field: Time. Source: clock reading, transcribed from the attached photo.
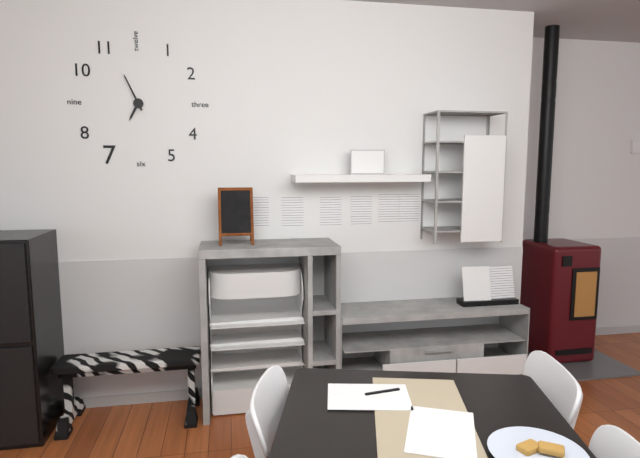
6:56
